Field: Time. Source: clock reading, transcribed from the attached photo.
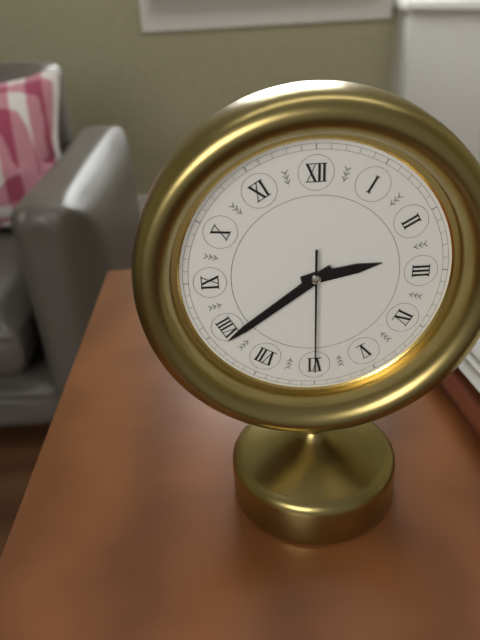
2:39:30
